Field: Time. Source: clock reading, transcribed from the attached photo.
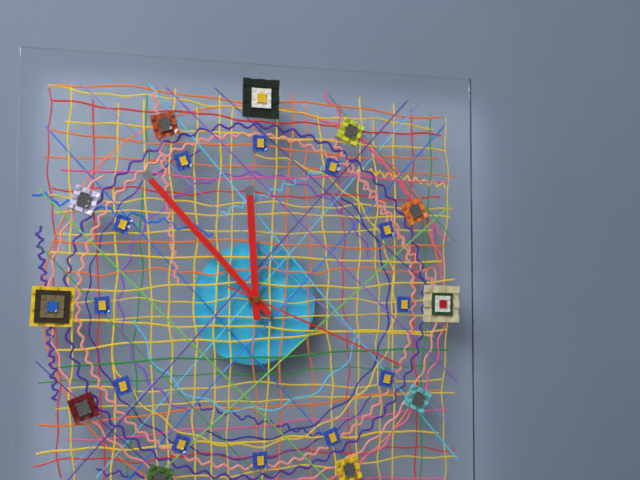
11:53:19
